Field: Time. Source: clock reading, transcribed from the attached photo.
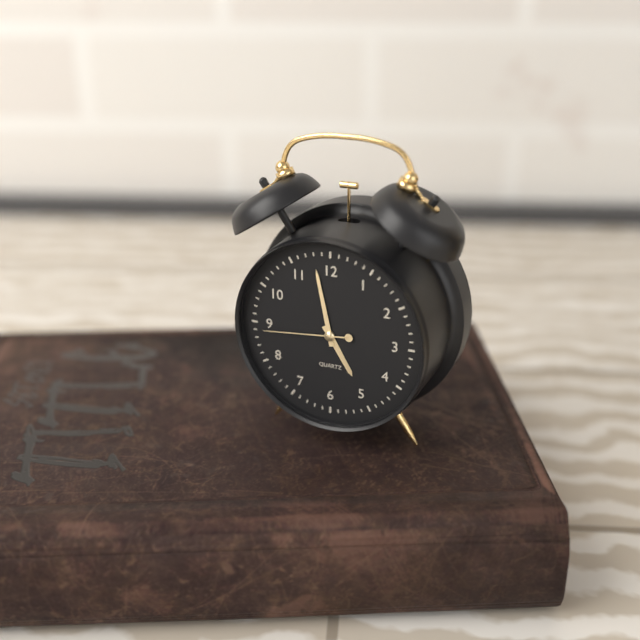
4:58:44
